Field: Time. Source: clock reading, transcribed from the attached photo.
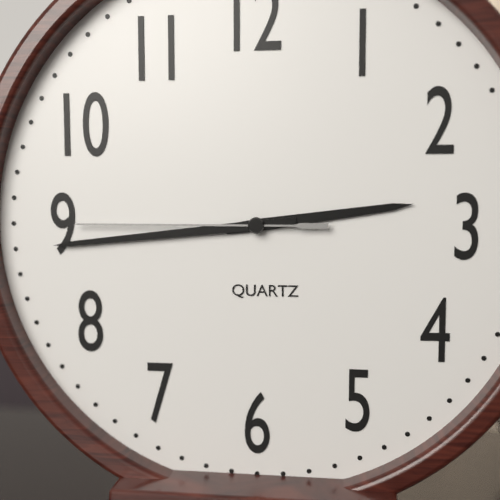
2:44:45
